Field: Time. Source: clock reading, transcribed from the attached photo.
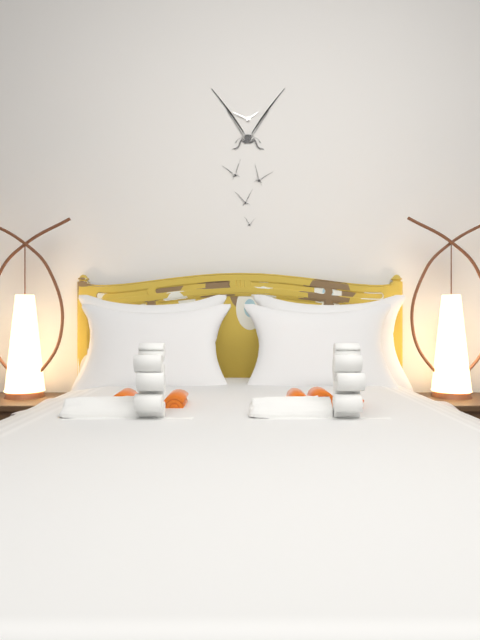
1:49
